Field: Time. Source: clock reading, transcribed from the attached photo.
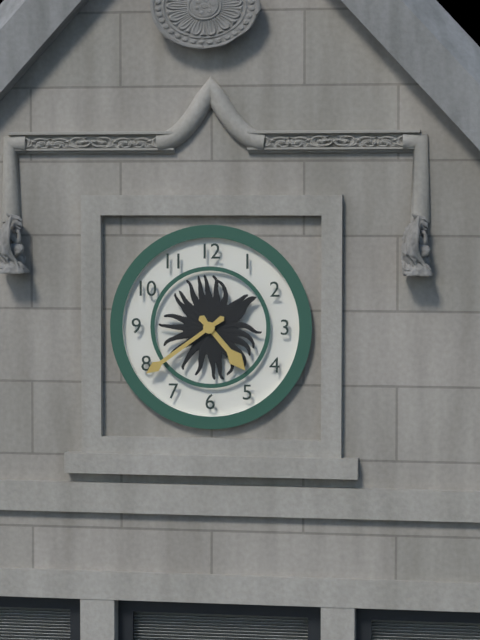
4:39
